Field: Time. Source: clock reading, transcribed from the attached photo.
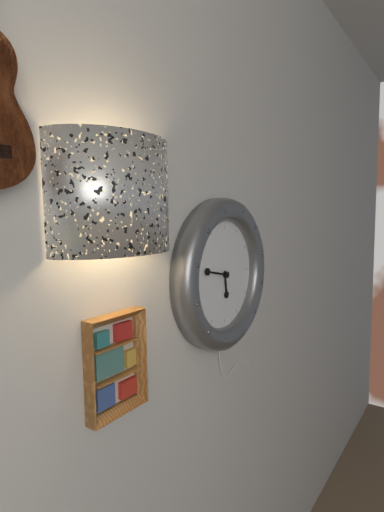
5:47
